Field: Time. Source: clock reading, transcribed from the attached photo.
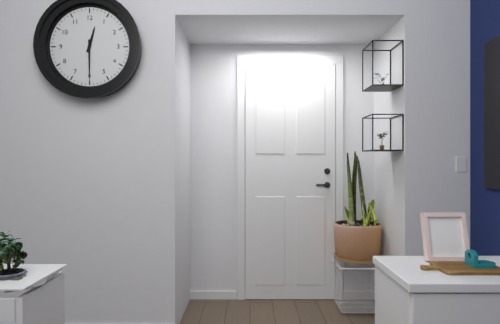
12:30
